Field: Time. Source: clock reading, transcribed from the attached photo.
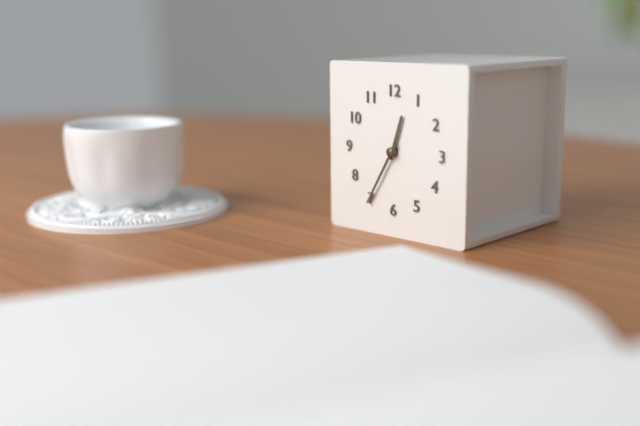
12:35
